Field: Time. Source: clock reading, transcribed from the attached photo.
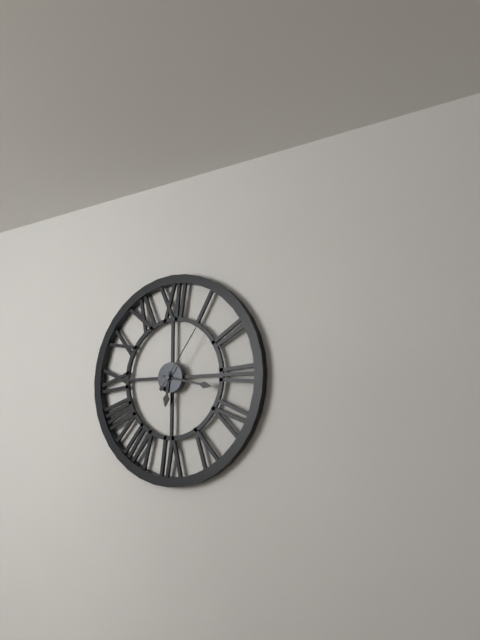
6:17:06
